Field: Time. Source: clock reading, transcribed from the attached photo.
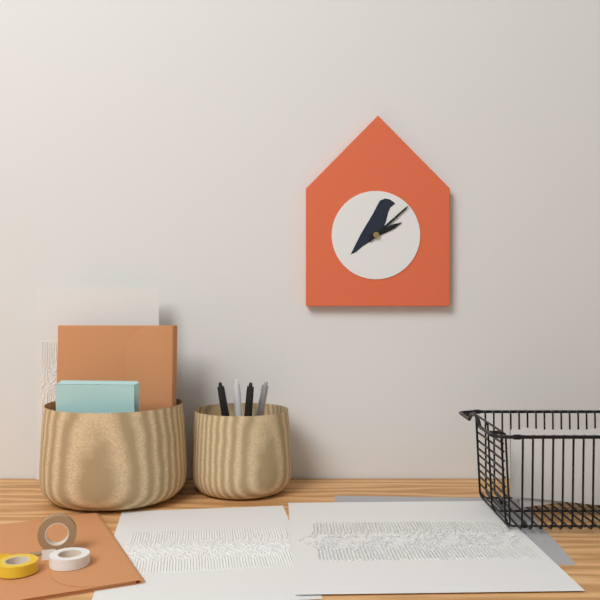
2:08
